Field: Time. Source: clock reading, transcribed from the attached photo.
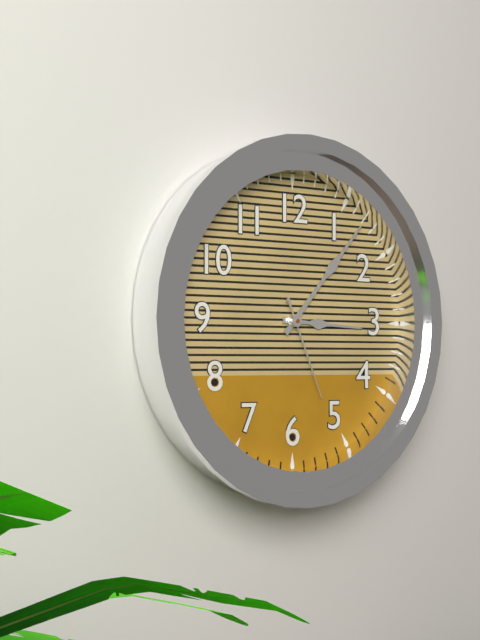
3:07:26
